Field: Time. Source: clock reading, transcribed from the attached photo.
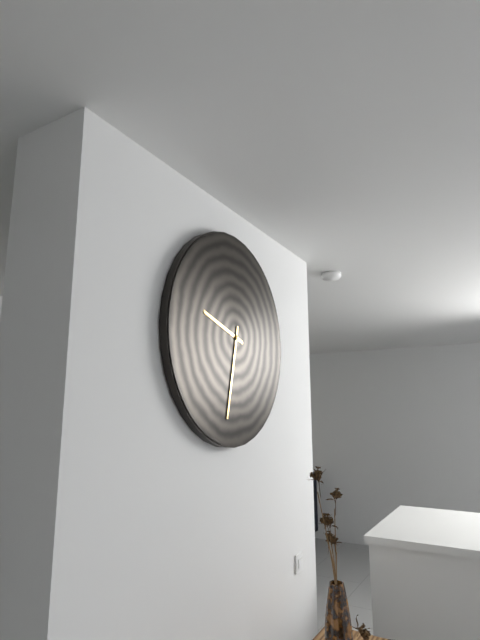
9:32
